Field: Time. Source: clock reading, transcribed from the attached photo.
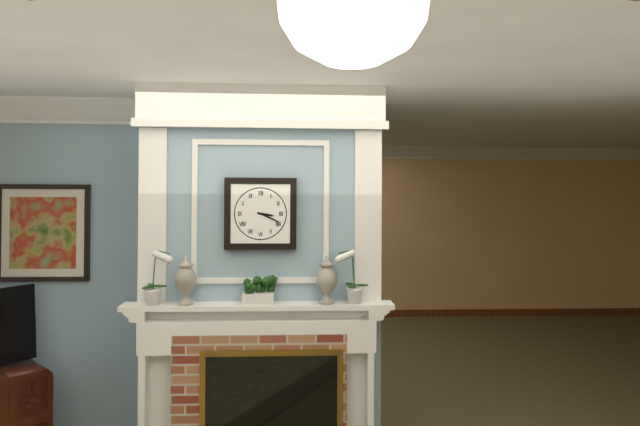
3:19
